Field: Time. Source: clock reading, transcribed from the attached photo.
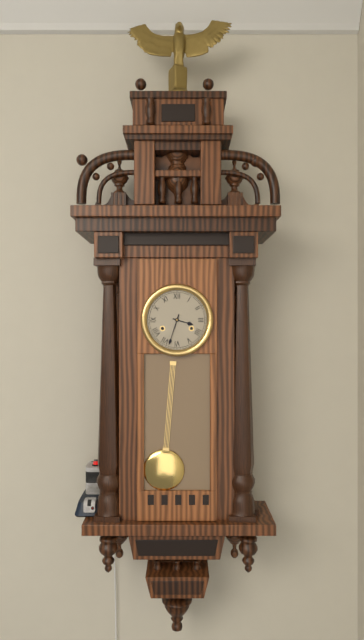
3:33
